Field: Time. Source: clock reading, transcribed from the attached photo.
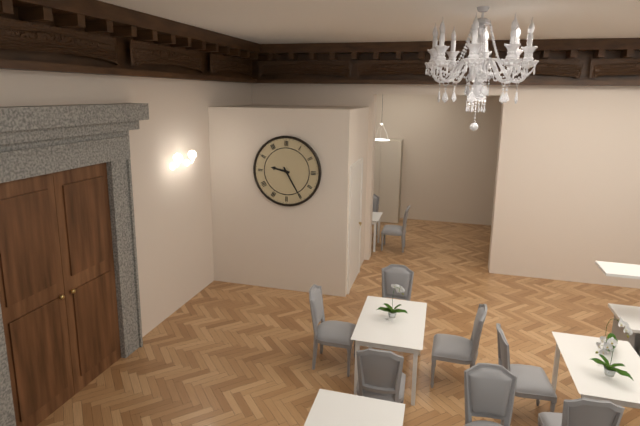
9:25
